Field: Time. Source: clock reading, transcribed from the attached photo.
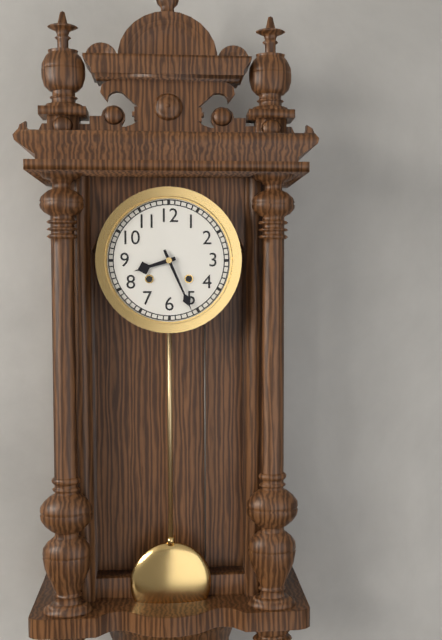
8:26
